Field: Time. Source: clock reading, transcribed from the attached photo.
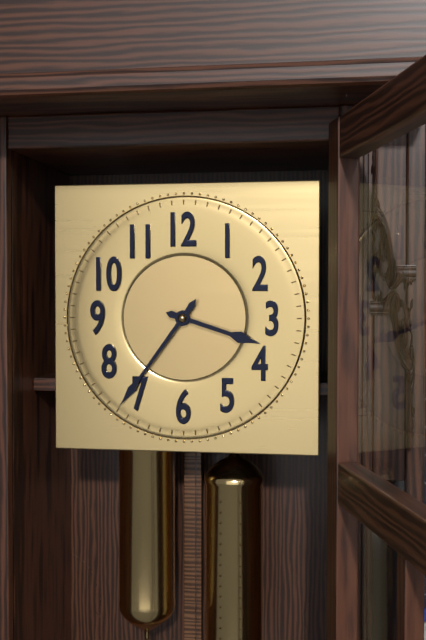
3:36
